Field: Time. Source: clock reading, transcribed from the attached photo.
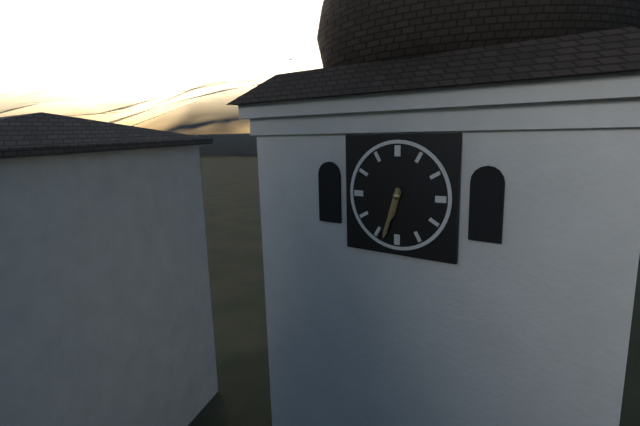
6:33
